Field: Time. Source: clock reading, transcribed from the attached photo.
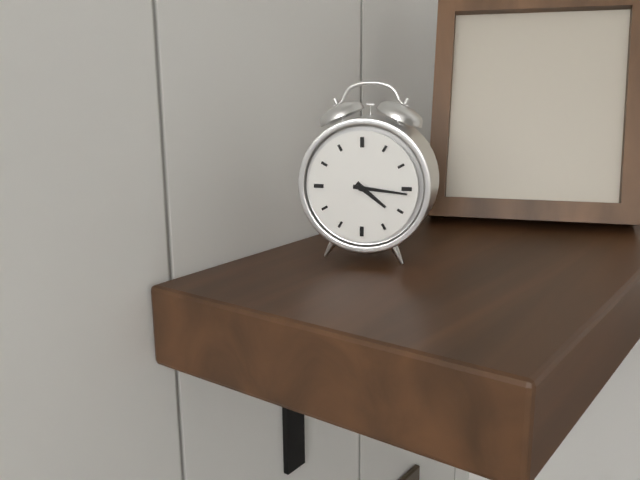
4:16
